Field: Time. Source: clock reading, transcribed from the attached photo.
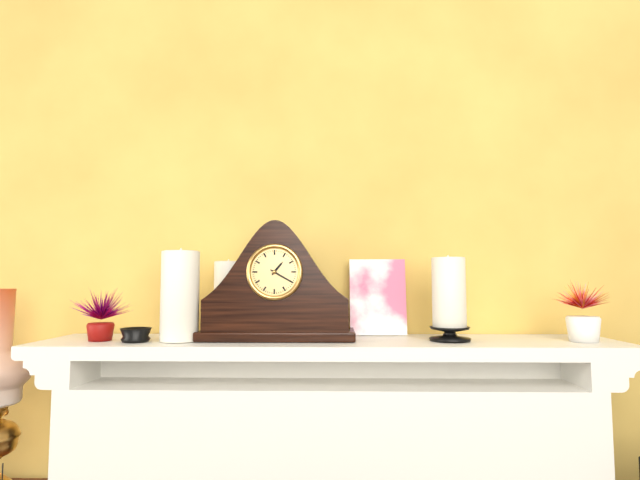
1:20
